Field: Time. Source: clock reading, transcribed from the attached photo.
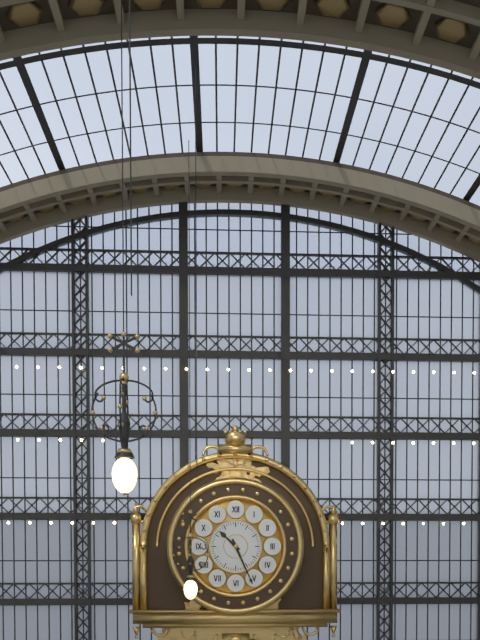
10:26
